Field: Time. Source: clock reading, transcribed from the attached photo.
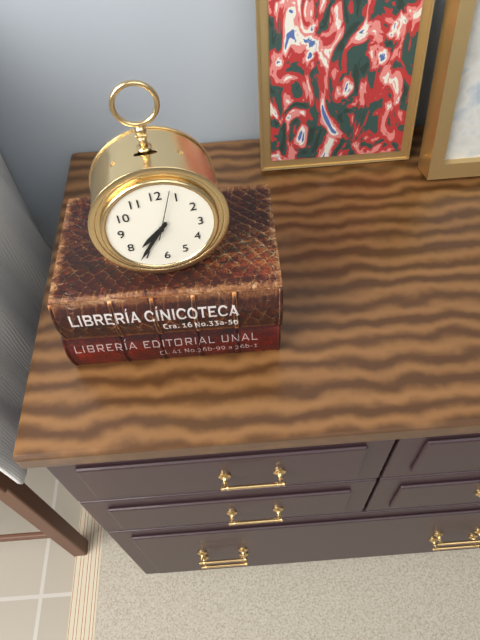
7:36
